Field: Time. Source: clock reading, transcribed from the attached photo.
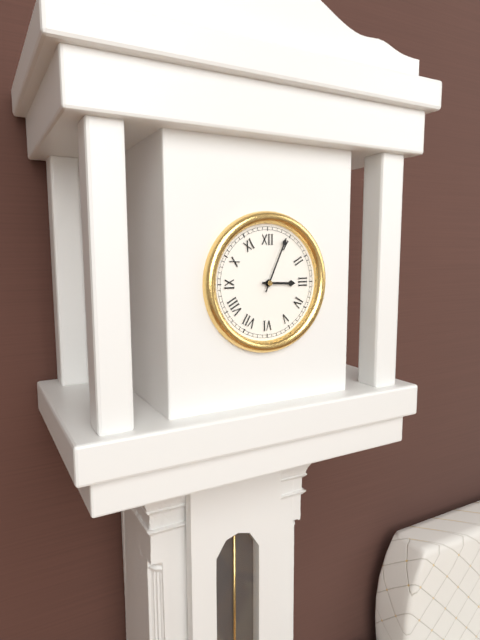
3:04
